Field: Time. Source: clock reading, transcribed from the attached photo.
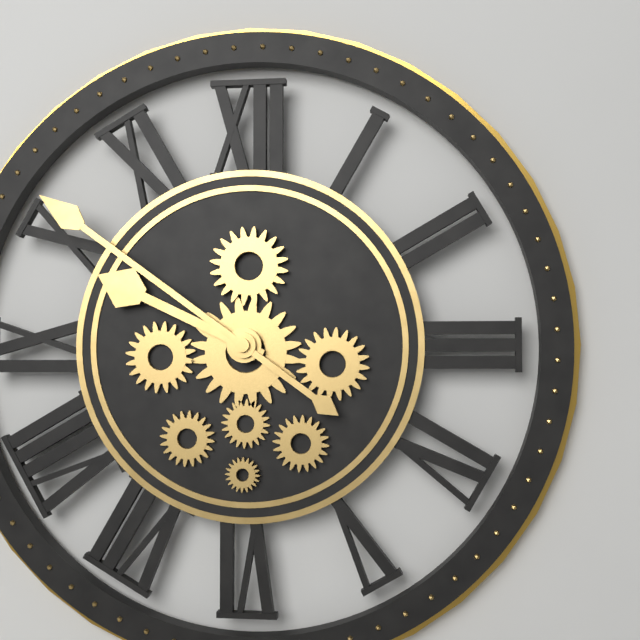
9:51
